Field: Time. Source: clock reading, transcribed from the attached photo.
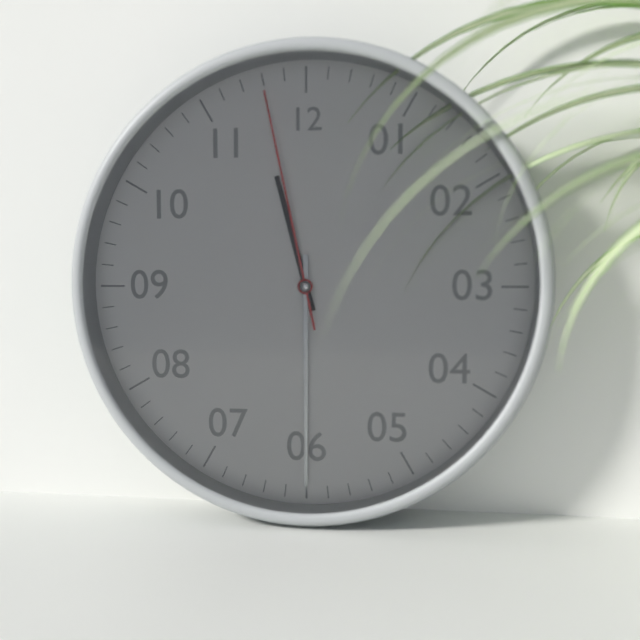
11:30:58
